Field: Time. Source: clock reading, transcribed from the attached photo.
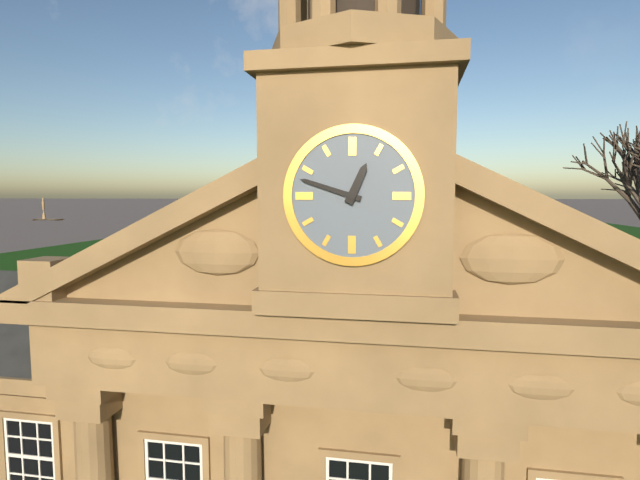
12:48
